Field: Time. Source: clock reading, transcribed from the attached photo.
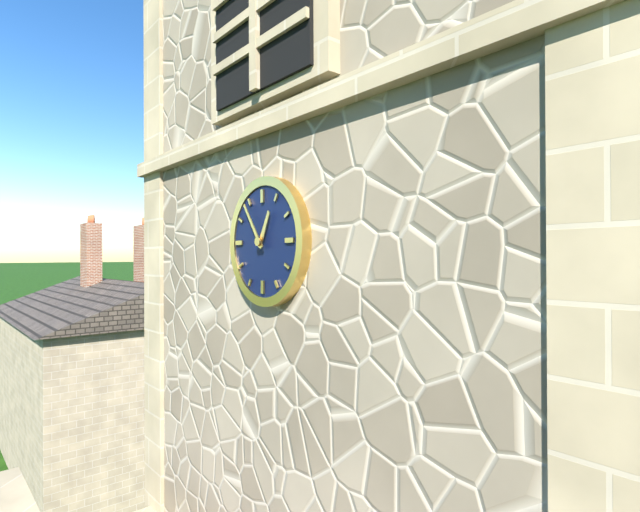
12:54
